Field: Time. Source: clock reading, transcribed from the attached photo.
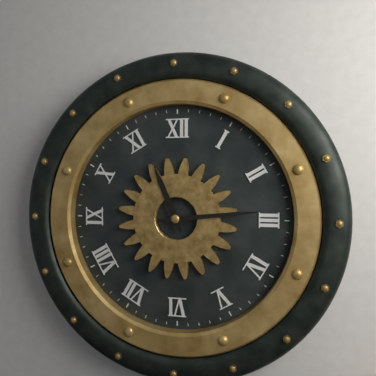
11:14
